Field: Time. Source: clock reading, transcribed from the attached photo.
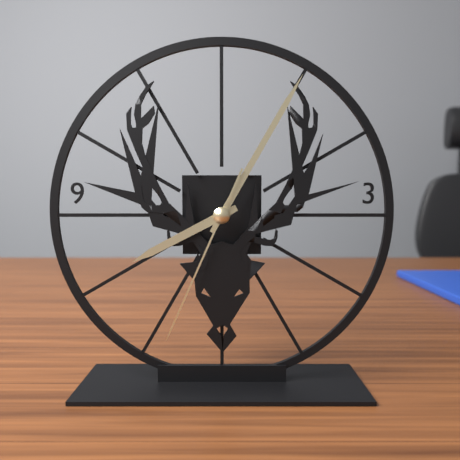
8:05:34
